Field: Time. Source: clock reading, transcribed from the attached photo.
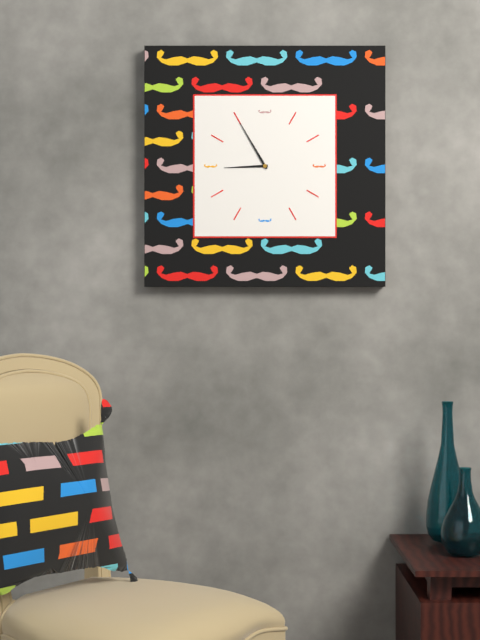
8:55
